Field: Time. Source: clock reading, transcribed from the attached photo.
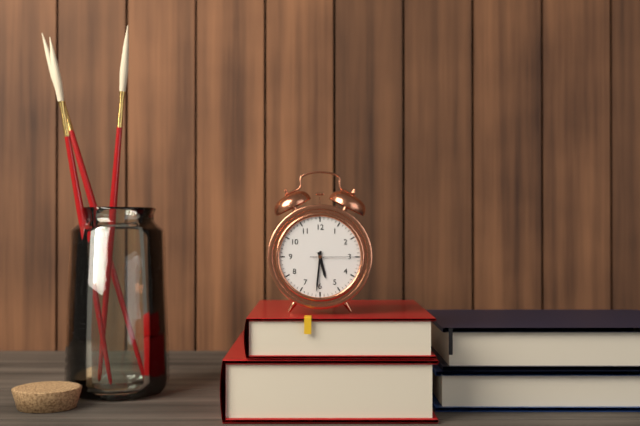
5:31
